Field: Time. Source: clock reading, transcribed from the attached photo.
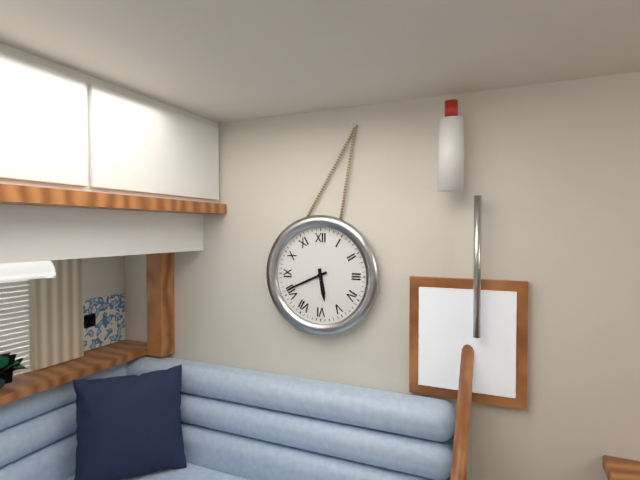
5:41
